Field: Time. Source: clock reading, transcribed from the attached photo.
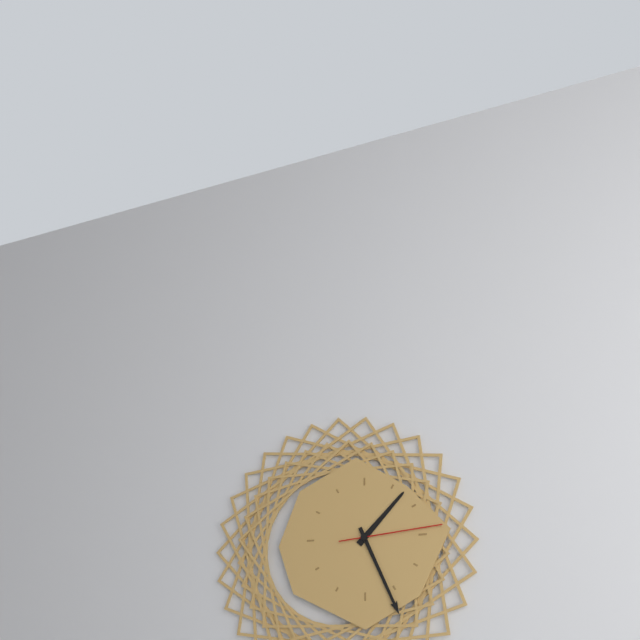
1:26:14
